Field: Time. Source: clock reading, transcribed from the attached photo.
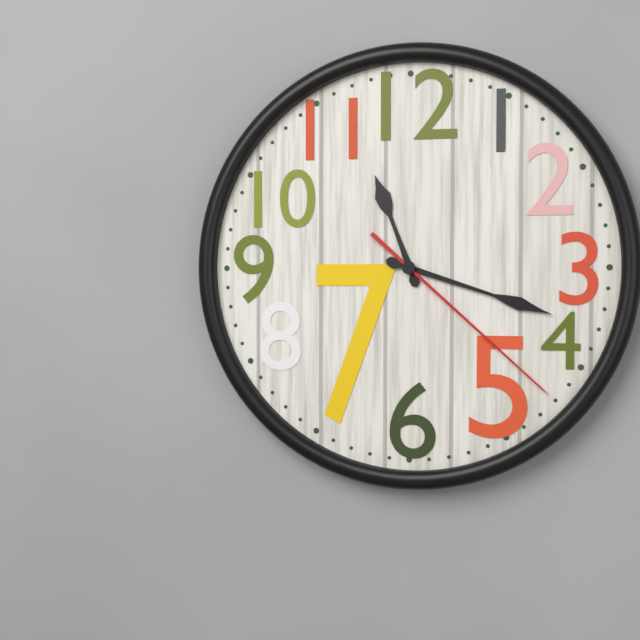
11:18:22
